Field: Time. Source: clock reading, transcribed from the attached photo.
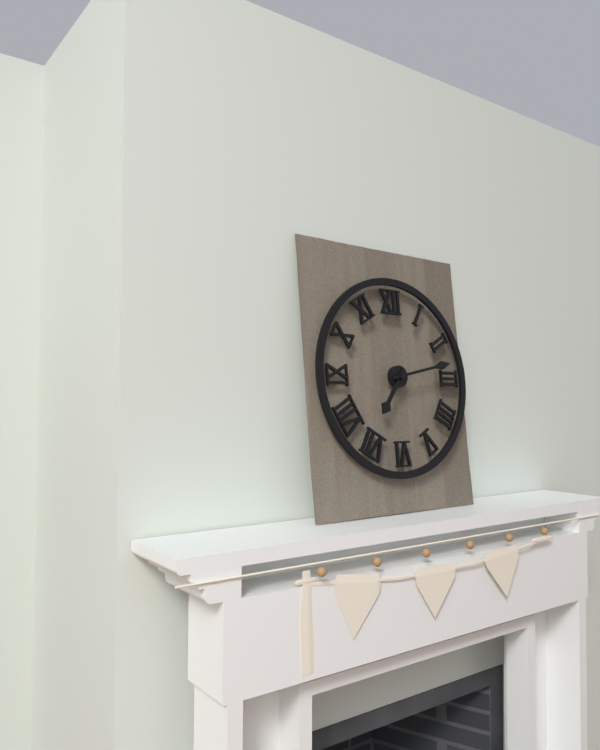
7:13
